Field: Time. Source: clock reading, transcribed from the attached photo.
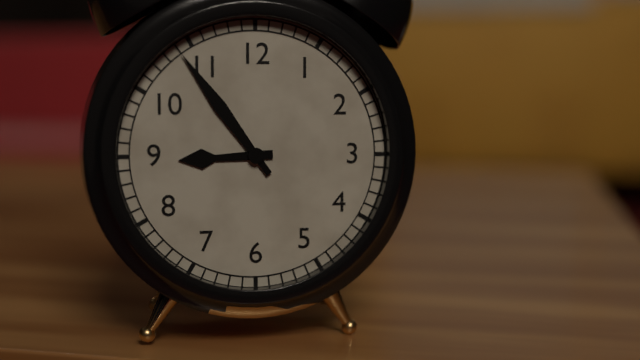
8:54
